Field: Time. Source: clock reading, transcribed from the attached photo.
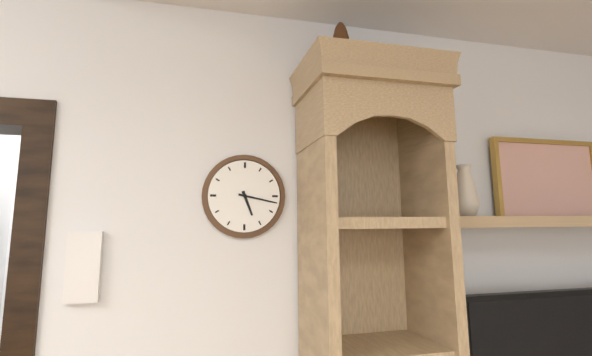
5:17
